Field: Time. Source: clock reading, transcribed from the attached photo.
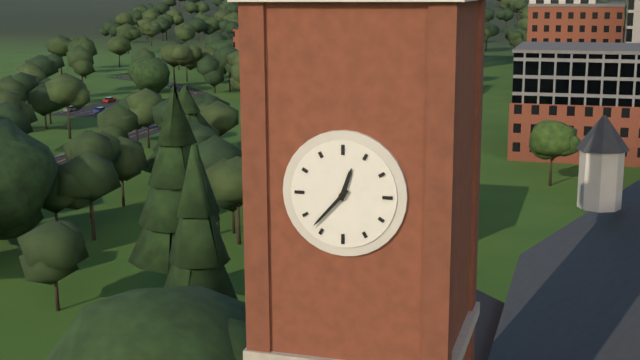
12:37
